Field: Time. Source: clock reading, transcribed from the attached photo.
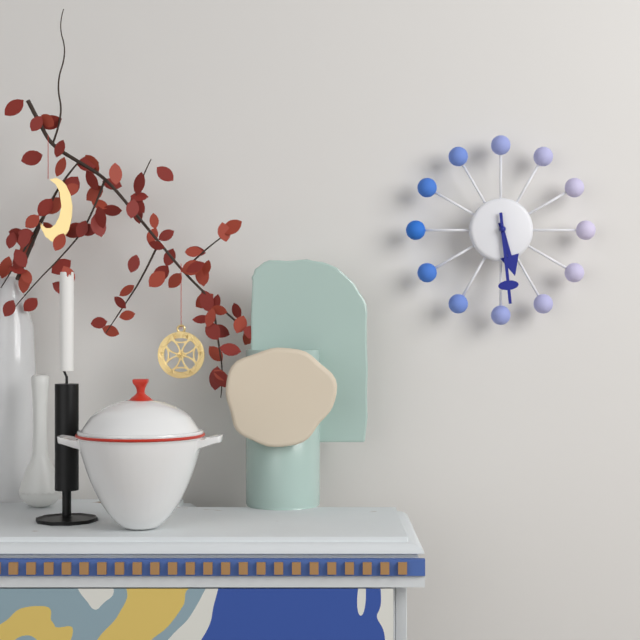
5:29
